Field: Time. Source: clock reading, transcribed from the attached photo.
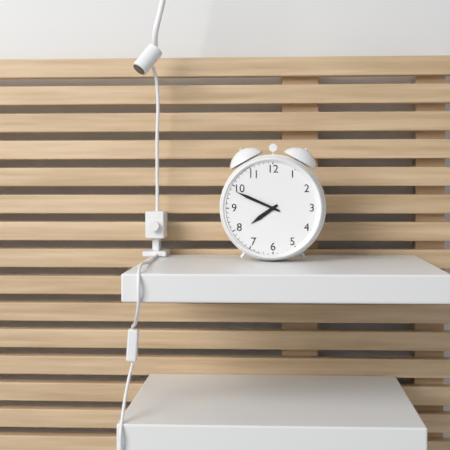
7:49
